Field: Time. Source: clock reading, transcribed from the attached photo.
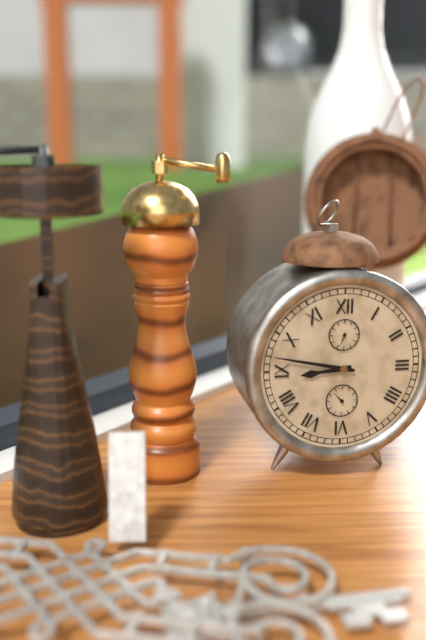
8:47
